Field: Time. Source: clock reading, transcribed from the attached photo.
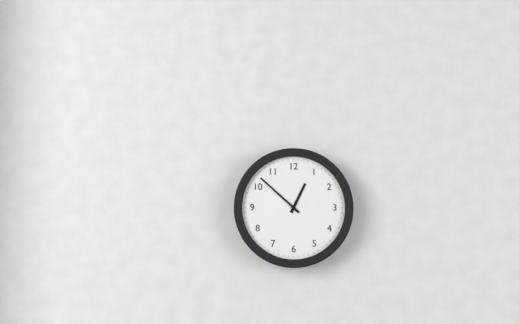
12:52
